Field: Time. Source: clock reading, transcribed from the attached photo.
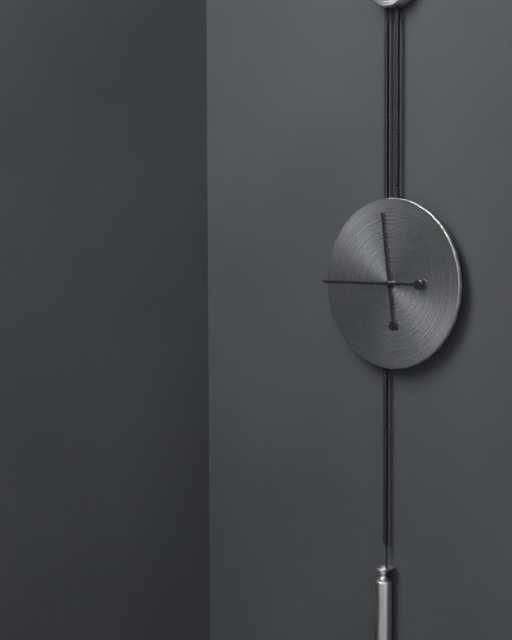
11:45
